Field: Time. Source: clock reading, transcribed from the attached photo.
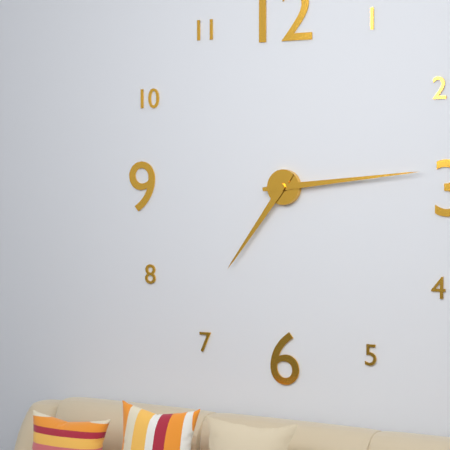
7:14
